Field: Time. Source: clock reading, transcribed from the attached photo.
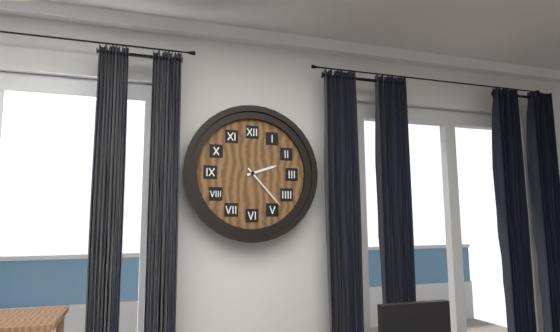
2:23
